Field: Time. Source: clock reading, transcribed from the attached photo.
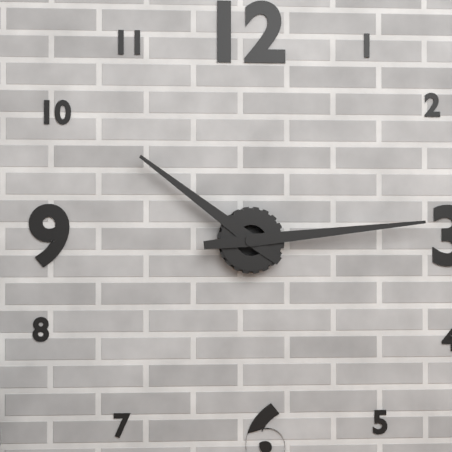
10:14
